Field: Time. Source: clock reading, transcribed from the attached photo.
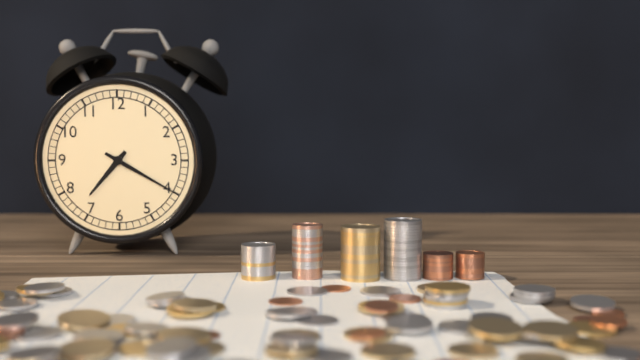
7:20
